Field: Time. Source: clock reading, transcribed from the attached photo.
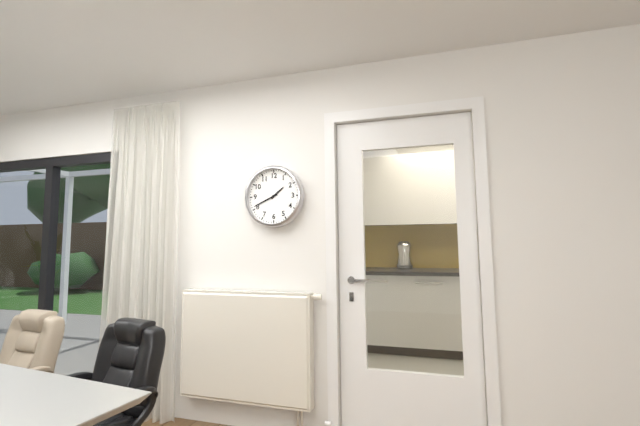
1:41
